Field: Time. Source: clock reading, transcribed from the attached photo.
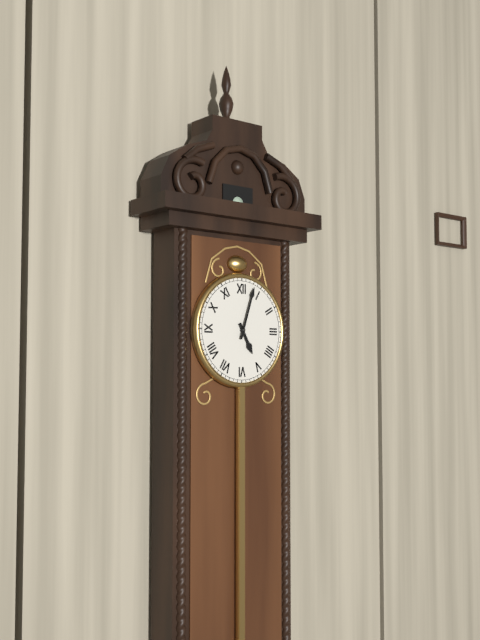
5:03
